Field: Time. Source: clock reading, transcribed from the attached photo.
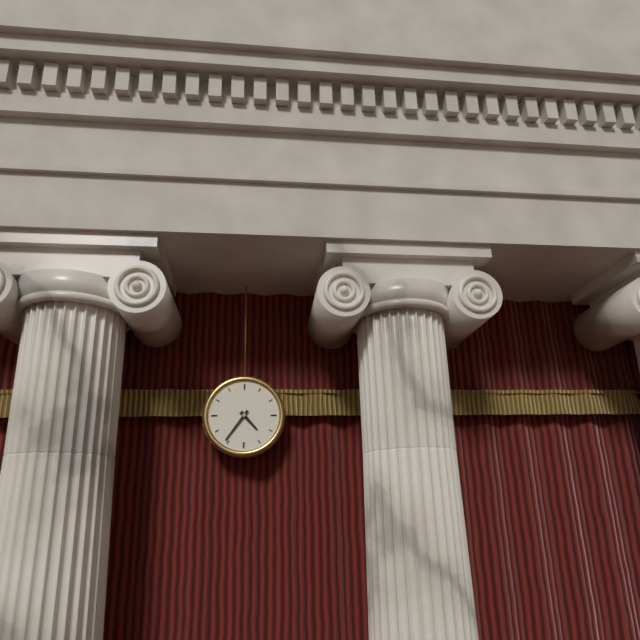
4:36
